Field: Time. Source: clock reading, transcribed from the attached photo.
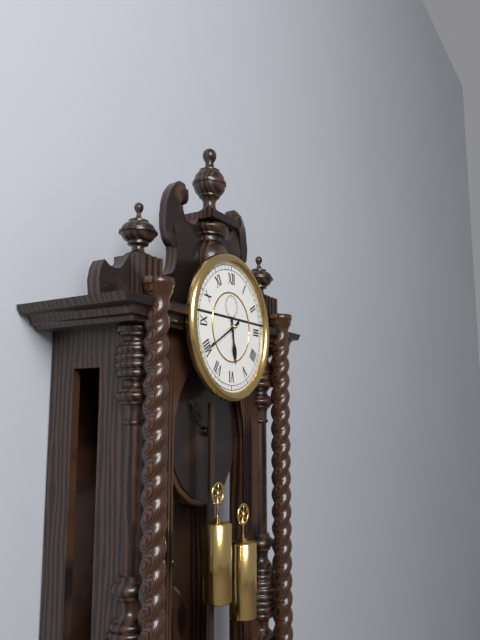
5:40
